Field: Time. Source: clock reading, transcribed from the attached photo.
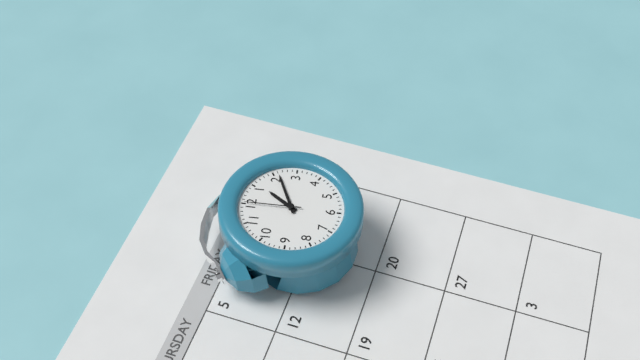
1:11:00
